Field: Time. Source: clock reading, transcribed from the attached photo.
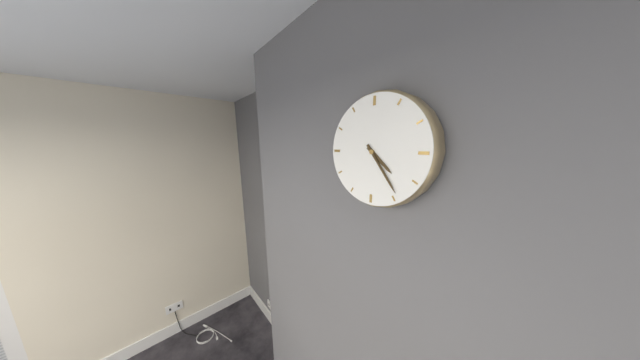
4:24
